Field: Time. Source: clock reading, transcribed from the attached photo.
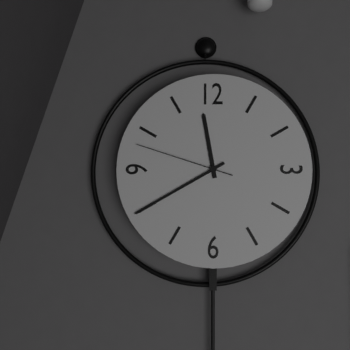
11:40:48
